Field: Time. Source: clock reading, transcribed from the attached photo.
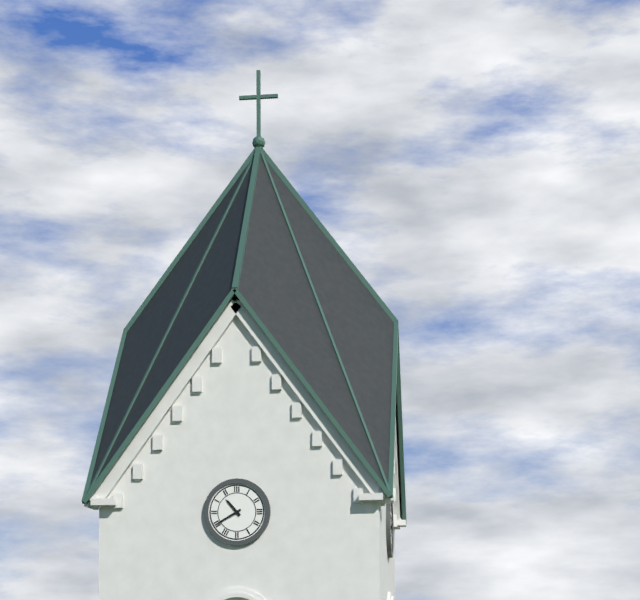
10:40
